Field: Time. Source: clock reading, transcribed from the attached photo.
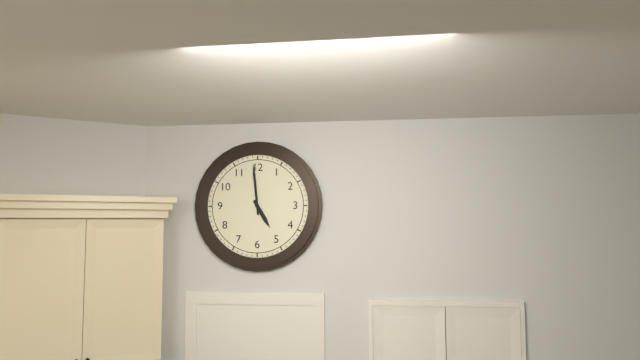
4:59
